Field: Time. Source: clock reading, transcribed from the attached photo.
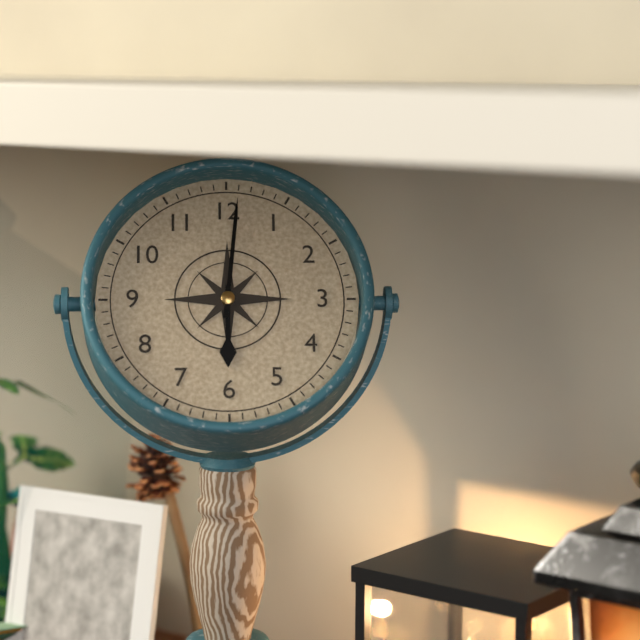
6:01
